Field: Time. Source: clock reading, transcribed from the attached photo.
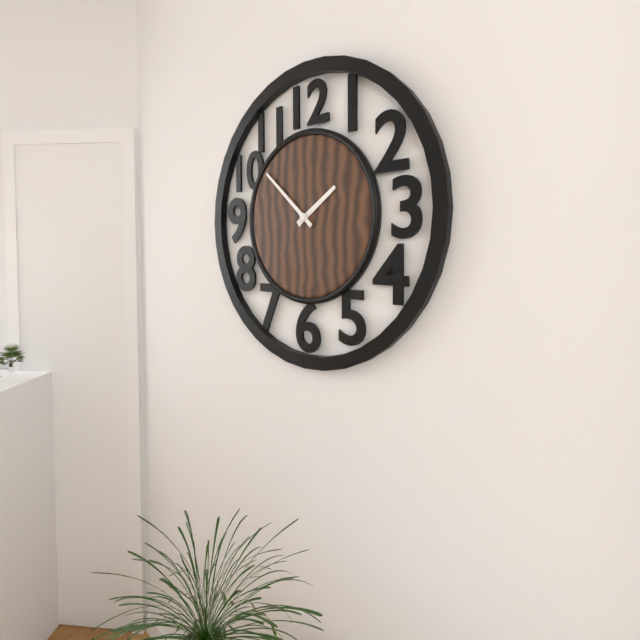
1:52
